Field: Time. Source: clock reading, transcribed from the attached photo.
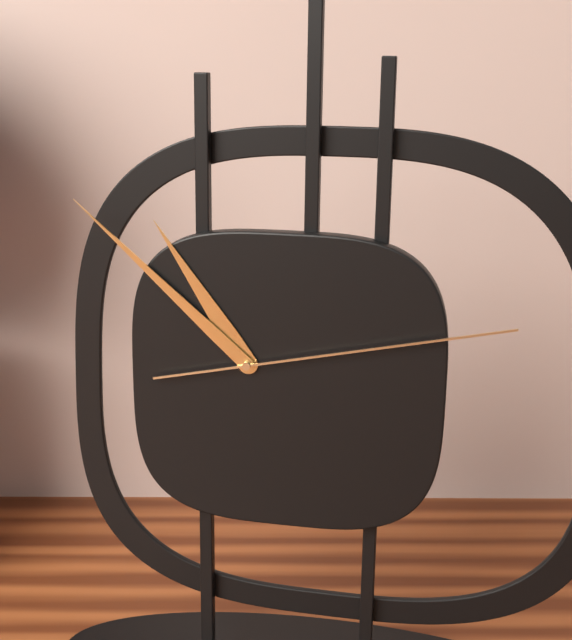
10:52:13
